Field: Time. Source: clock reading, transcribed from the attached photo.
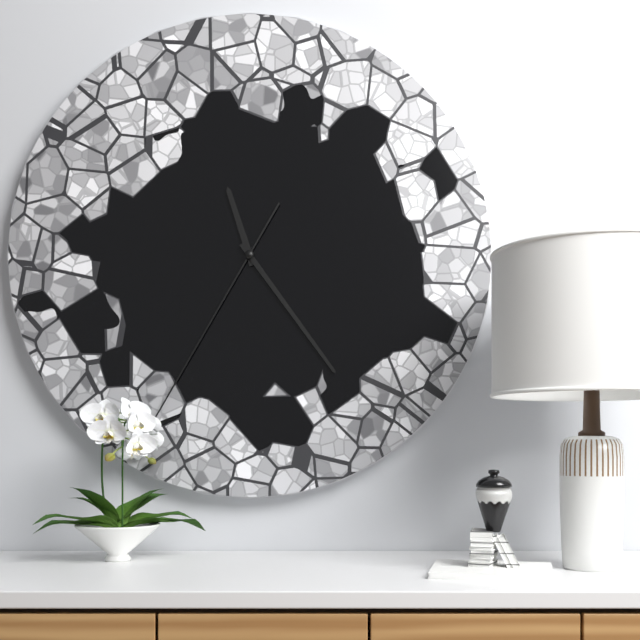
11:24:35
